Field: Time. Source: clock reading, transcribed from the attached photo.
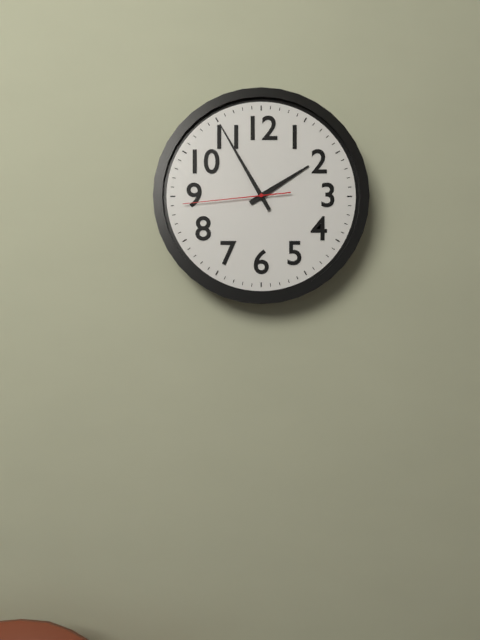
1:55:44
